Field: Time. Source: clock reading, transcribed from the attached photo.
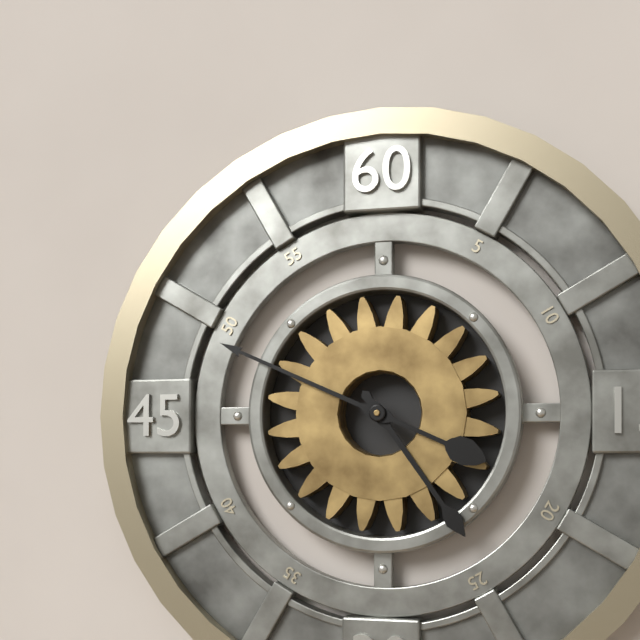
4:49
